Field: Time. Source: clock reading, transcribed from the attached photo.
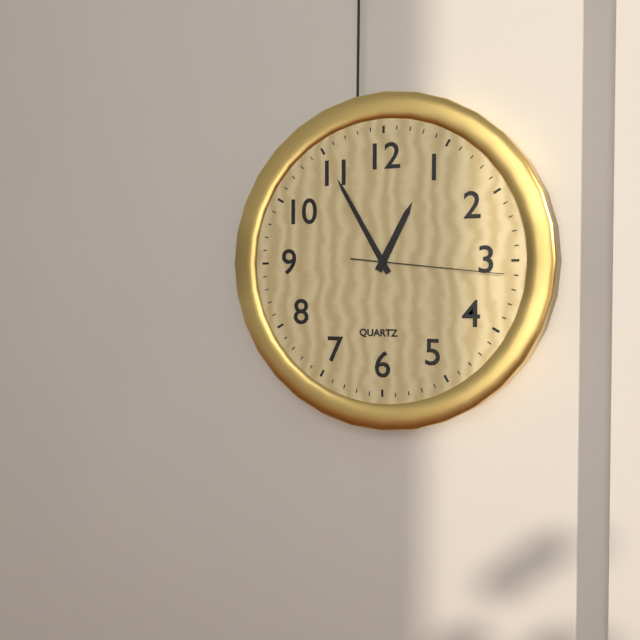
12:55:16
